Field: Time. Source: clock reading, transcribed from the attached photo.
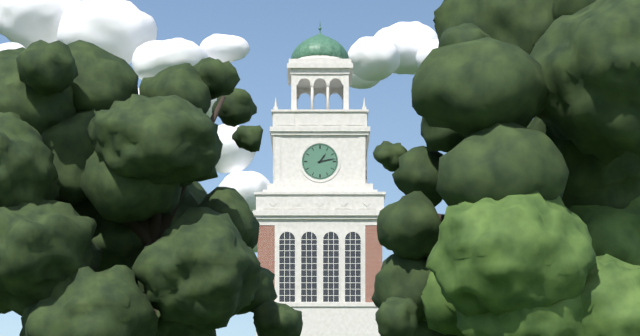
1:13
